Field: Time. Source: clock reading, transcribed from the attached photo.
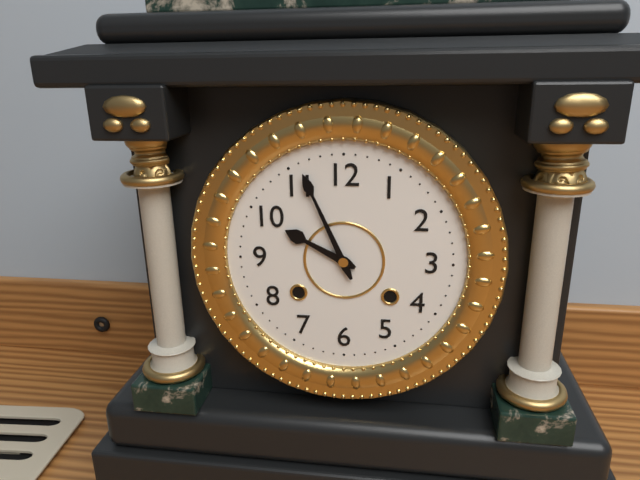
9:56
